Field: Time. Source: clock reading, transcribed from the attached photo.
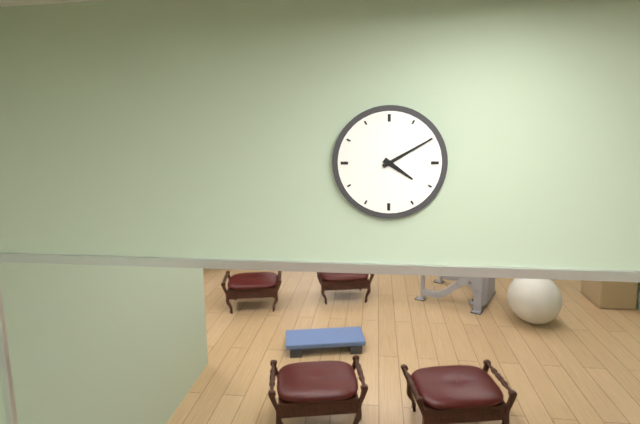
4:10
